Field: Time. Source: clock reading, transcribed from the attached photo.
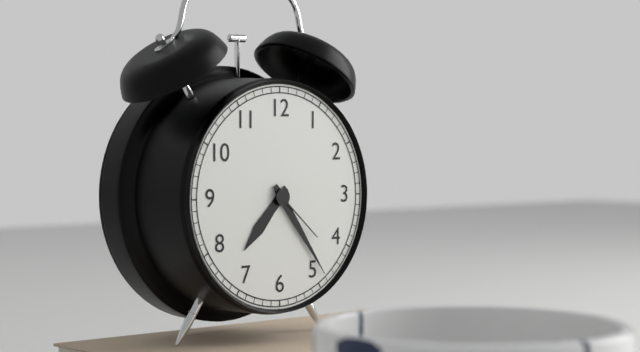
7:24:22
